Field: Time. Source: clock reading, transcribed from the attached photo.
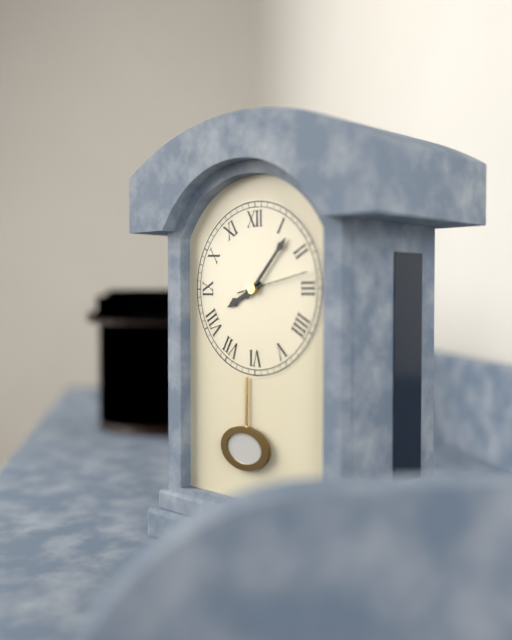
8:07
